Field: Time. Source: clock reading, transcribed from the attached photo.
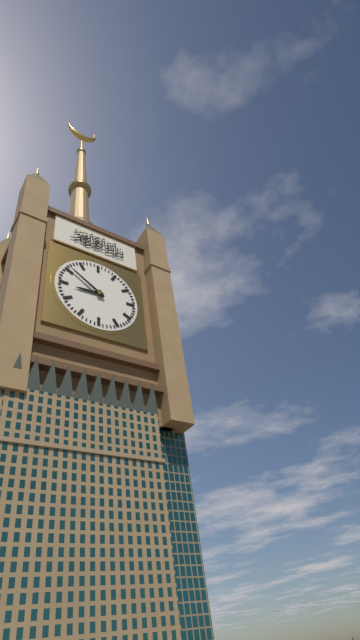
8:51
